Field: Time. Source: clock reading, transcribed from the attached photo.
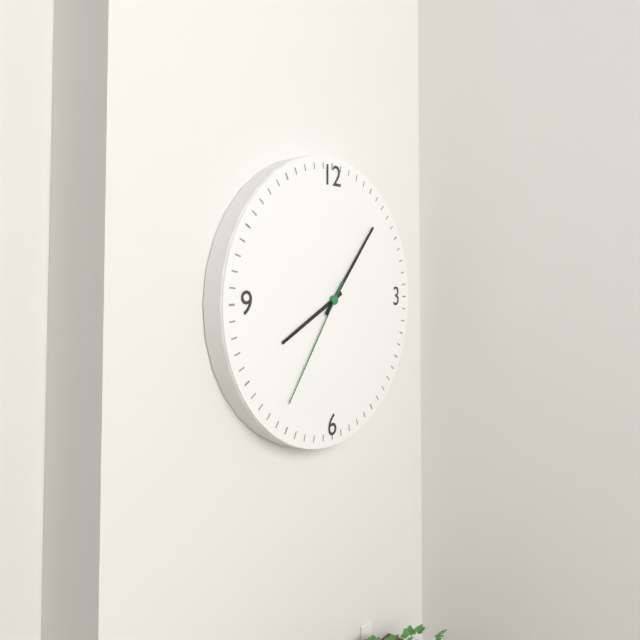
8:07:36
